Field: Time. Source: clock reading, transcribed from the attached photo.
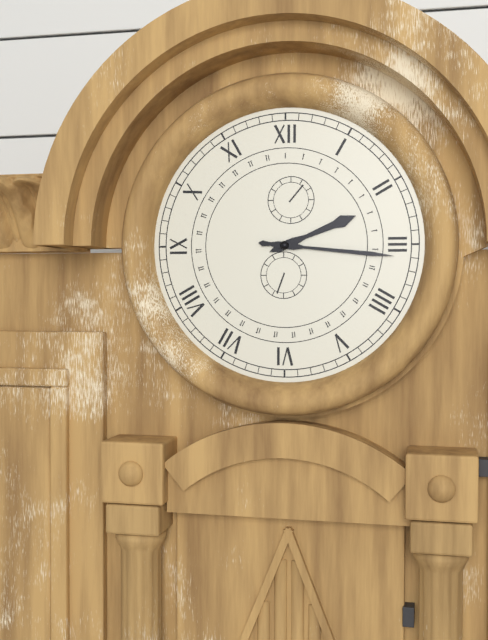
2:16
